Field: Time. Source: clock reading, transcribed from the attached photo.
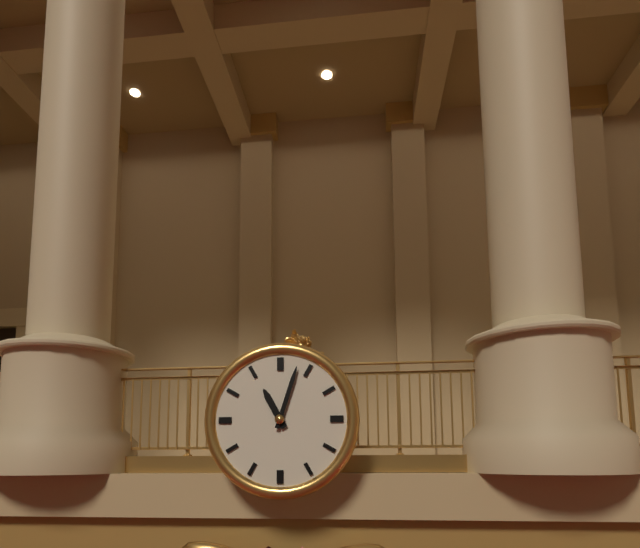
11:03
